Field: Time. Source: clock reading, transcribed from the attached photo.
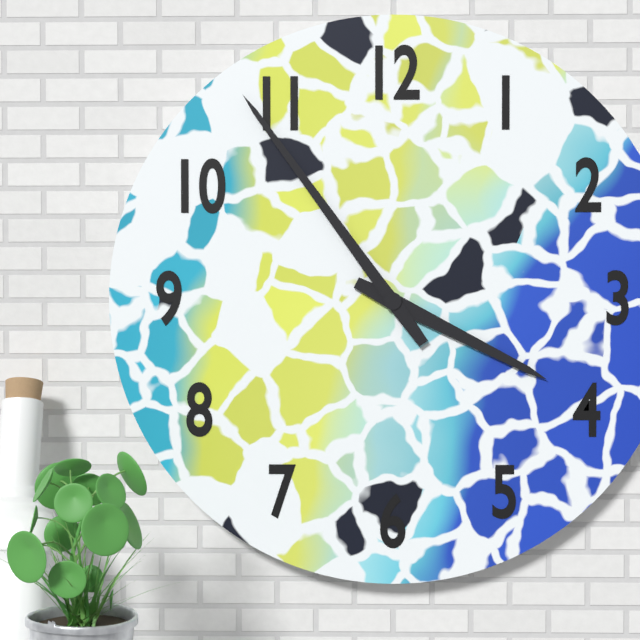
3:54
